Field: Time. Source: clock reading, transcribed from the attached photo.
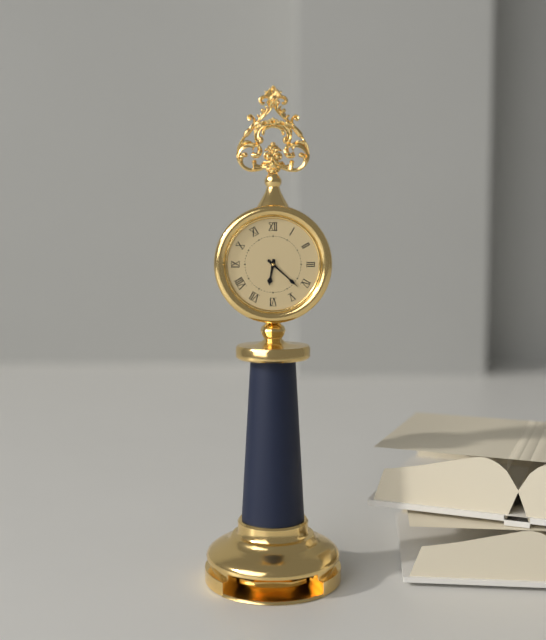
6:22
